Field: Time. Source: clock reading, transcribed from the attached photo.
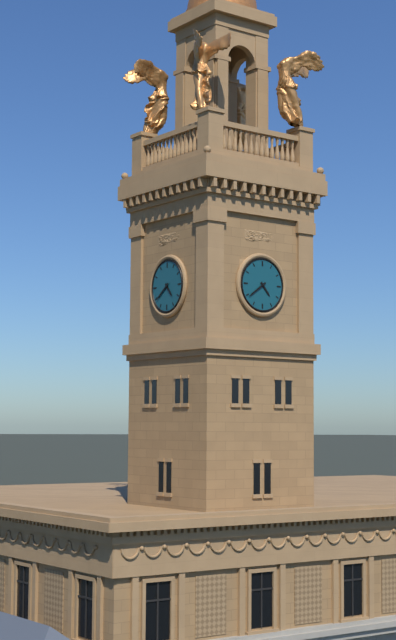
4:39
